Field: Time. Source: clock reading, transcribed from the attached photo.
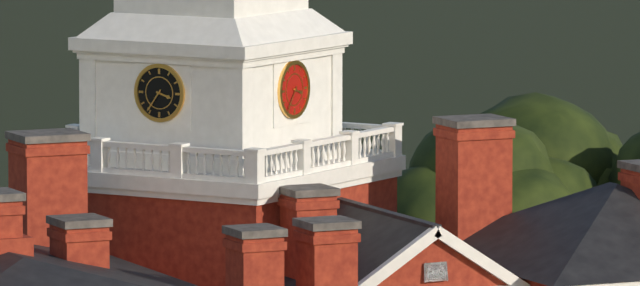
3:36
